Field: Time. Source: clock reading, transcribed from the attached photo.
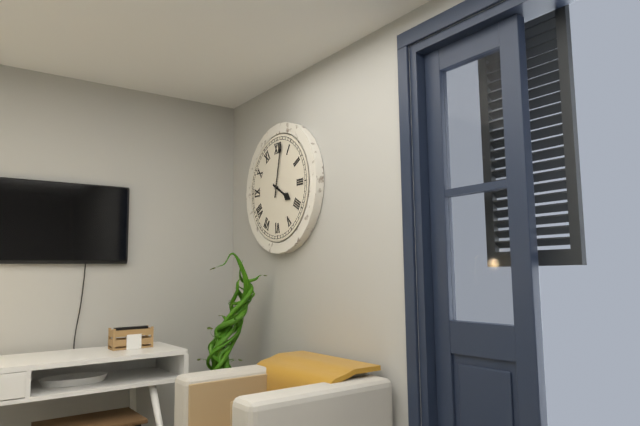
4:02
